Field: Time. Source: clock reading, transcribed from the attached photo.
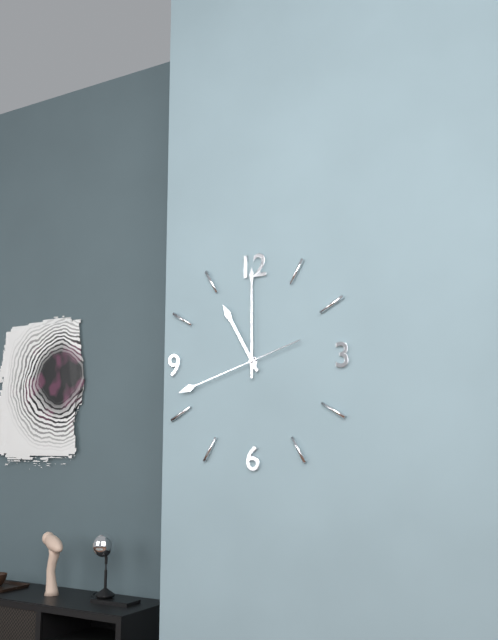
11:00:42
